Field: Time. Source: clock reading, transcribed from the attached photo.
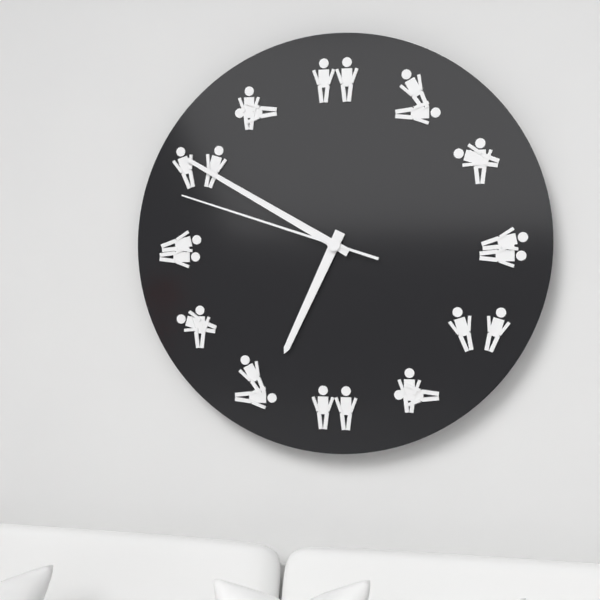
6:50:48
